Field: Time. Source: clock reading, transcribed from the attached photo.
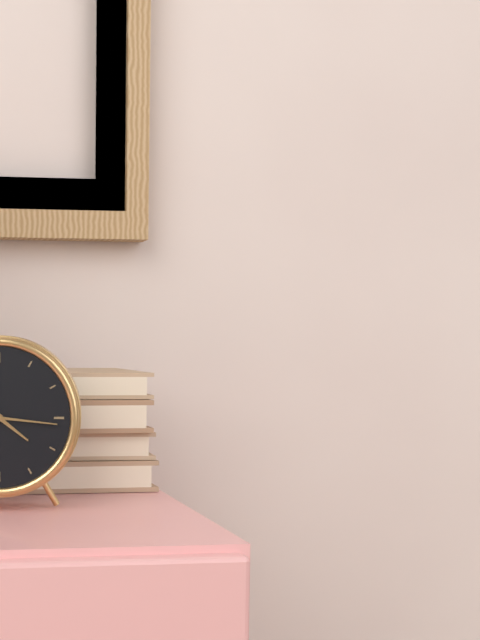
4:16
